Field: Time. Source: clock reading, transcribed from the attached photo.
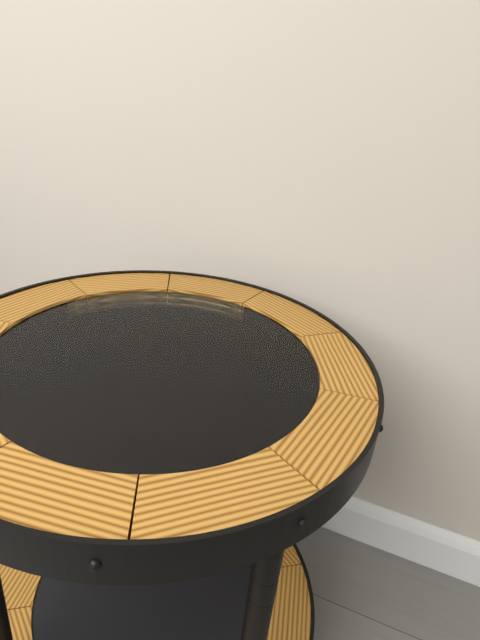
9:03
